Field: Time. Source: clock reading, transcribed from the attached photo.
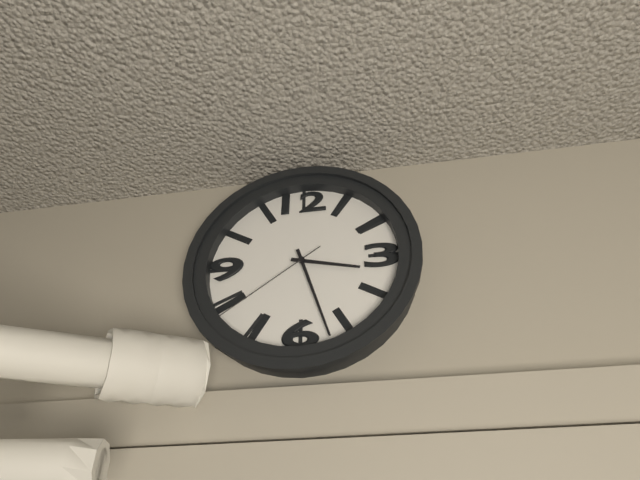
3:27:39
